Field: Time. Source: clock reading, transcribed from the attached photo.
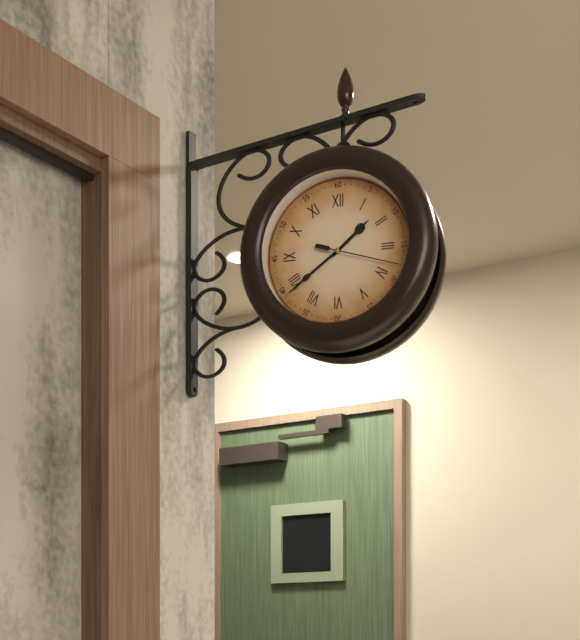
1:39:18
